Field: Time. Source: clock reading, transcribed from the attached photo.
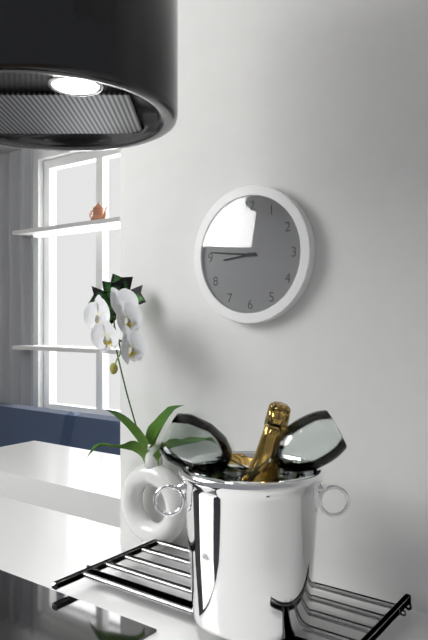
8:46
